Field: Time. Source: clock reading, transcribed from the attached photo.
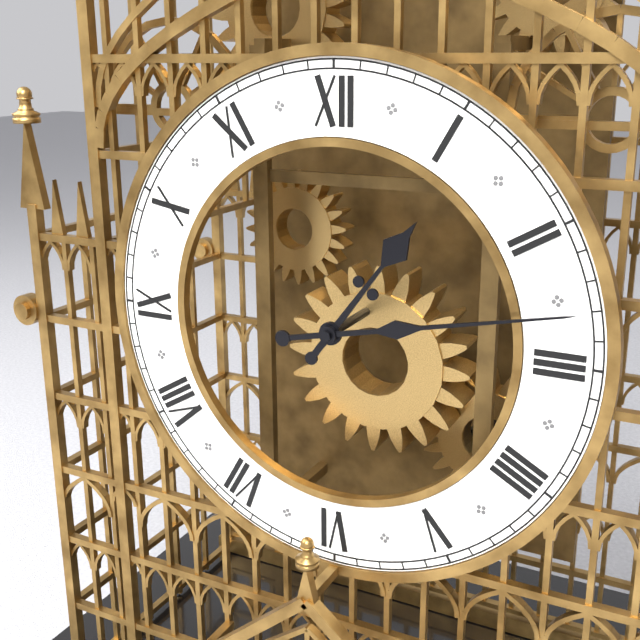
1:13
